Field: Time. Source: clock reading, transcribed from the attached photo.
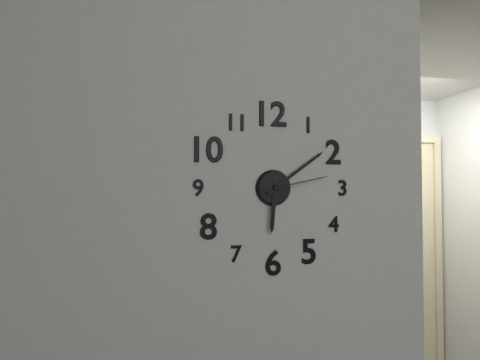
6:09:13
